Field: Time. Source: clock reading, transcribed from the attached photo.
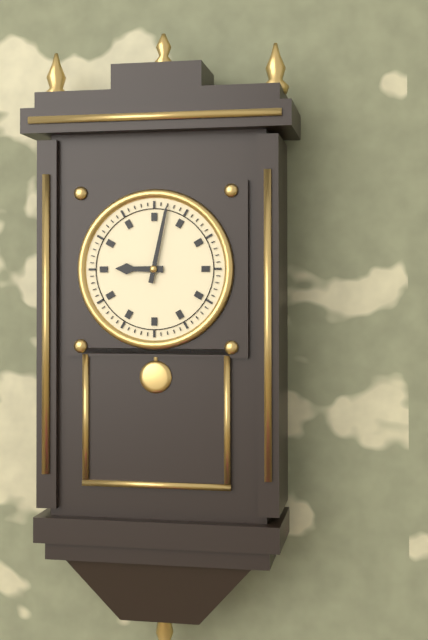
9:02
